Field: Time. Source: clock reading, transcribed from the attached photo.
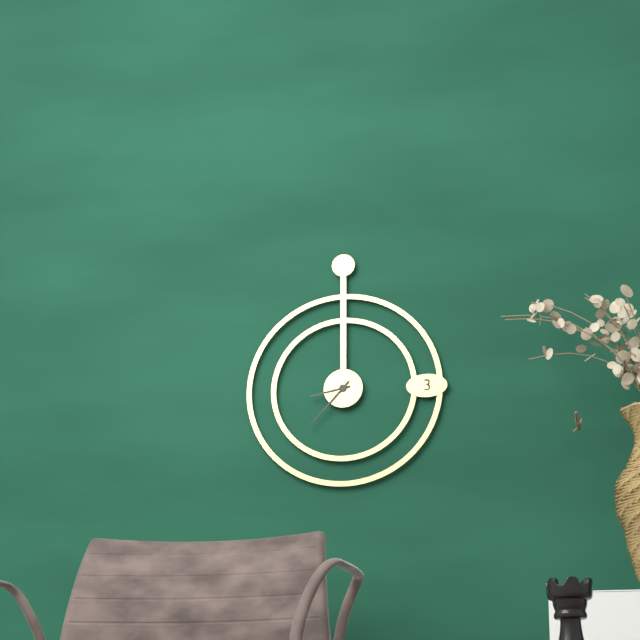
8:37
